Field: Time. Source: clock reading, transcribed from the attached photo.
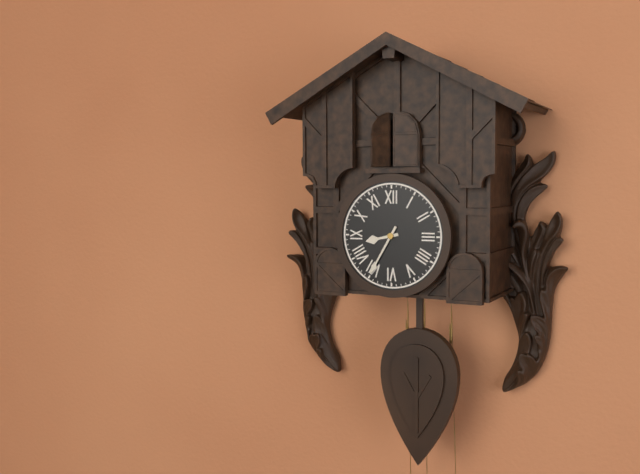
8:35
